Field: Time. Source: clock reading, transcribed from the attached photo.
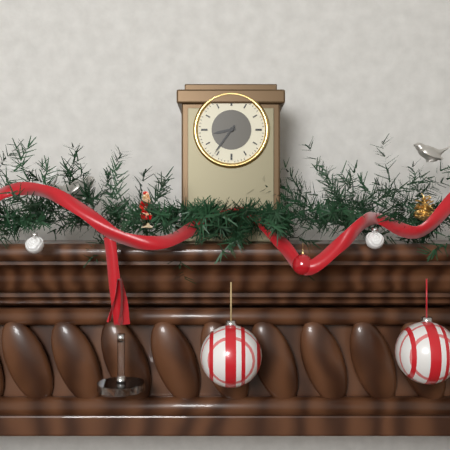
8:36
